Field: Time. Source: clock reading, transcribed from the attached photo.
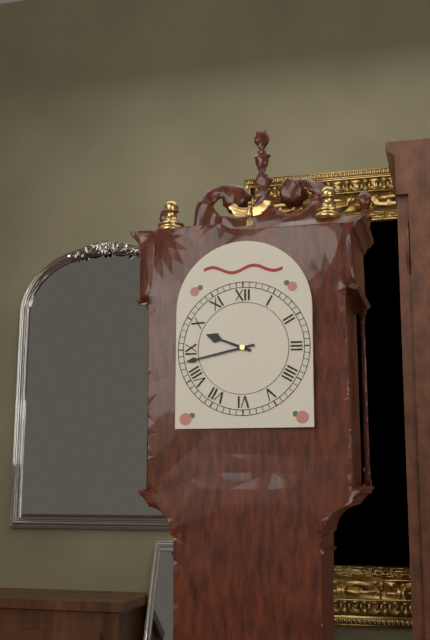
9:43
